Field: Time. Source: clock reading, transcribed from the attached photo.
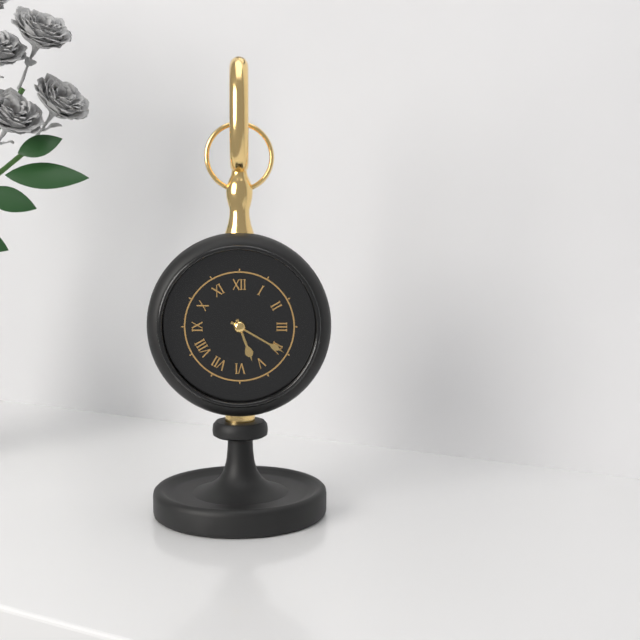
5:20
